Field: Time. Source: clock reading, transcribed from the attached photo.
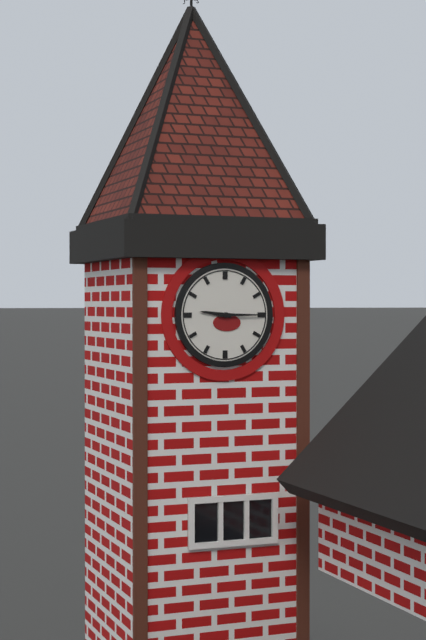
9:15
